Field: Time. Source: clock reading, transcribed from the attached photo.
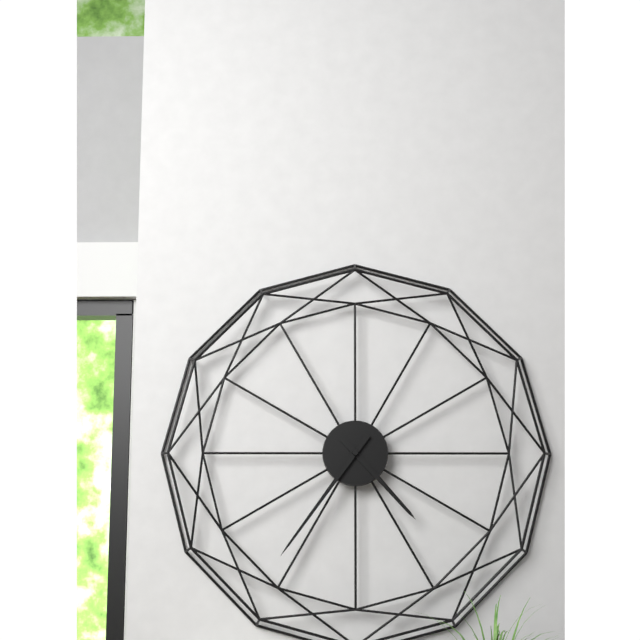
4:36
